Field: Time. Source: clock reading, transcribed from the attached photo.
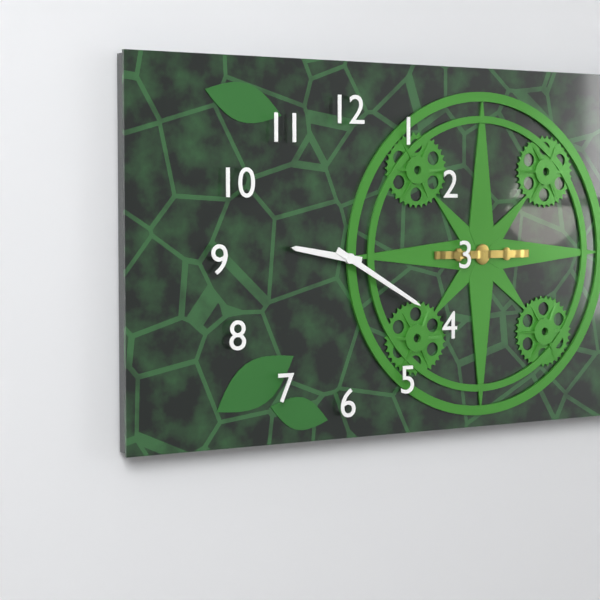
9:20
